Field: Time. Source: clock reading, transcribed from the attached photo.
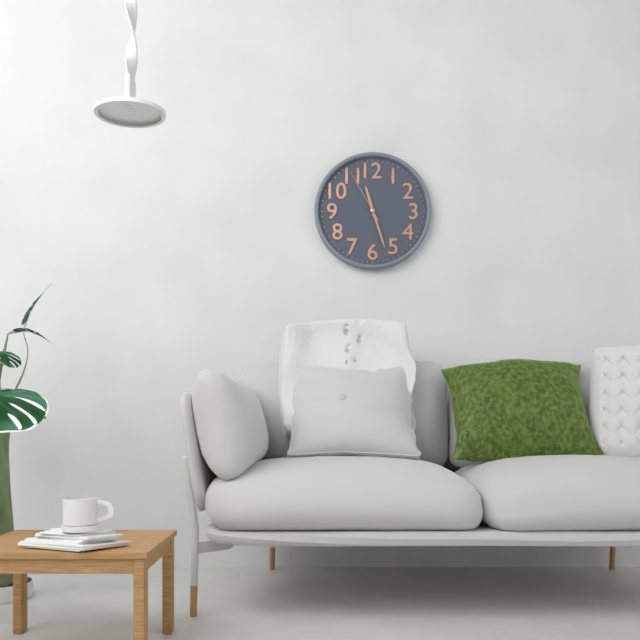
11:27:55
